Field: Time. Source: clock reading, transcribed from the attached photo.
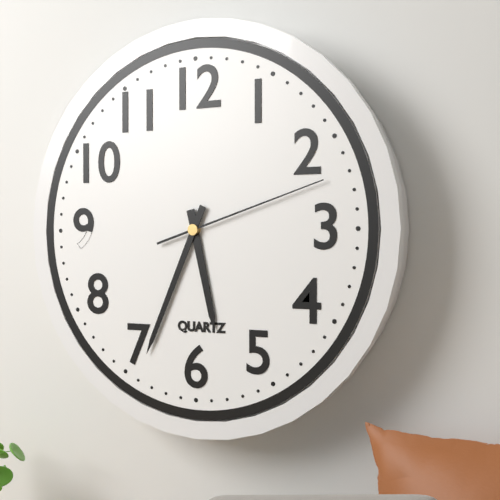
5:34:12
